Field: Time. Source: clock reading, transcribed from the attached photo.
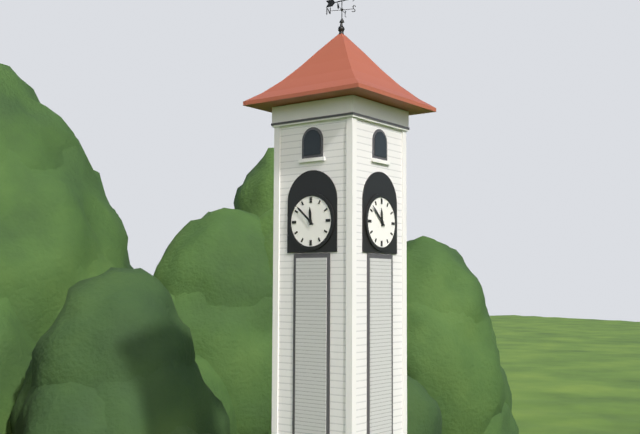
11:52
